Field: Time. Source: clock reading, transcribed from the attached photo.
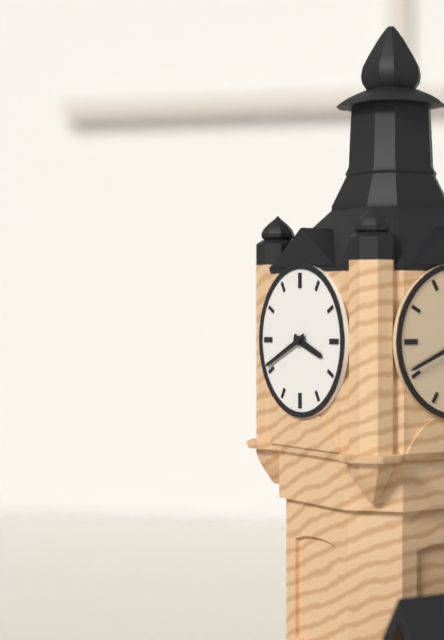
3:41
